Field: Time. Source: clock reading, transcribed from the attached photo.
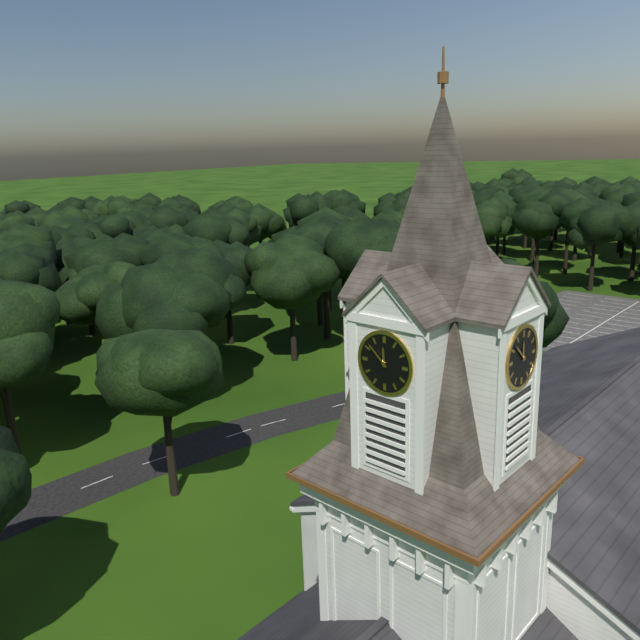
11:52
